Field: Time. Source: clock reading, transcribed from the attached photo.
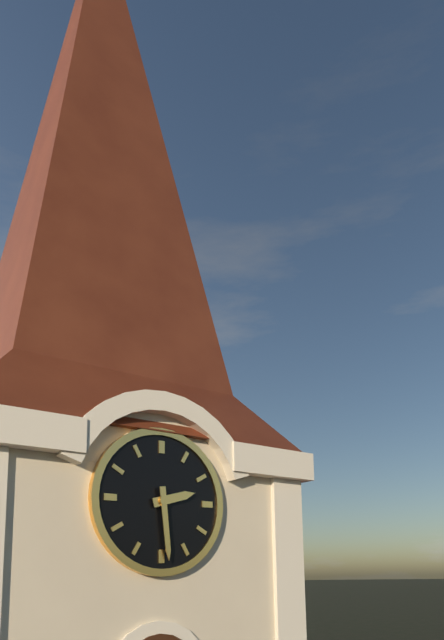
2:29
